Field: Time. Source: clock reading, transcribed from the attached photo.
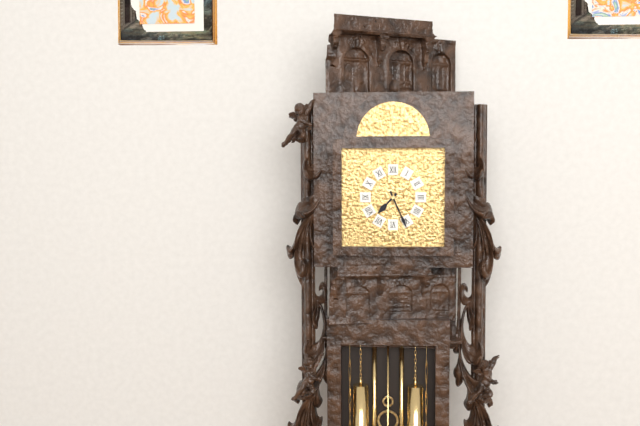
7:26
